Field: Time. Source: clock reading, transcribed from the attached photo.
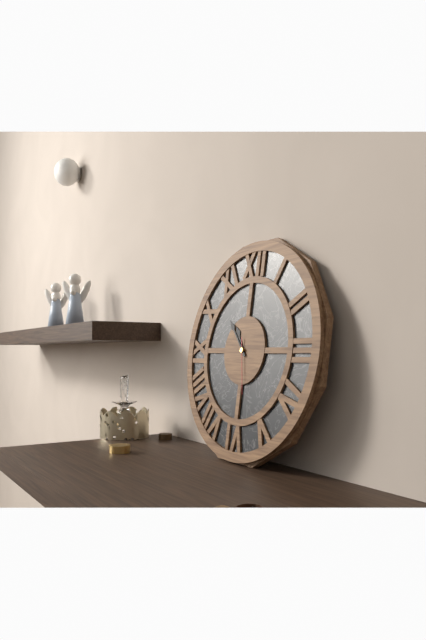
10:53:28
